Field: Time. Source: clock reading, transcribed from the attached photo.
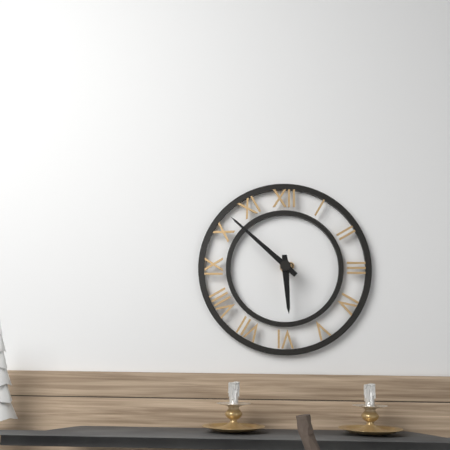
5:52
